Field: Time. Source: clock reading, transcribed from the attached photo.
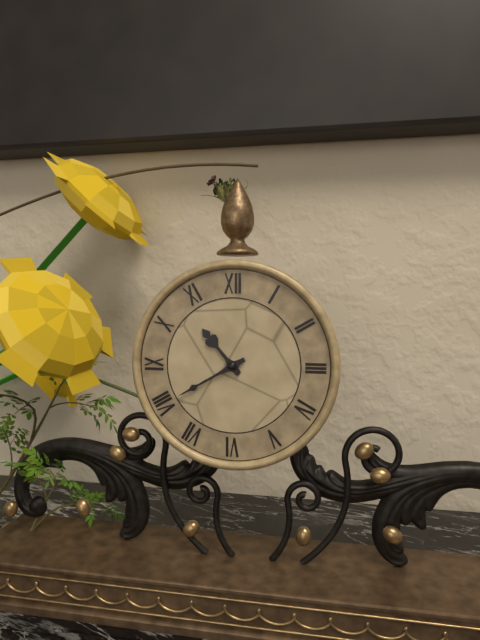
10:40
